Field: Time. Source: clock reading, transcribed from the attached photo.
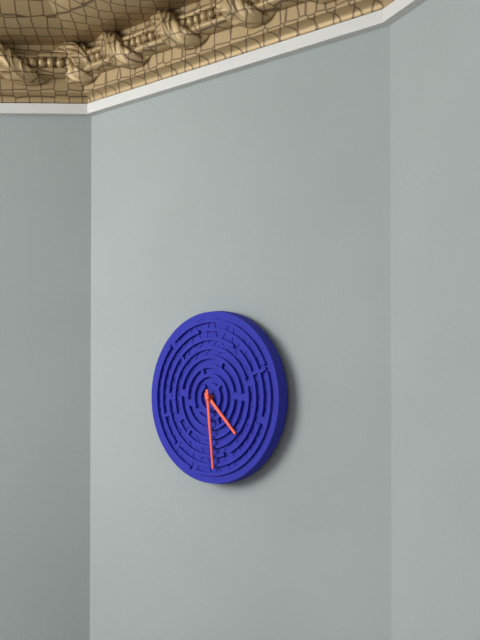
4:29
